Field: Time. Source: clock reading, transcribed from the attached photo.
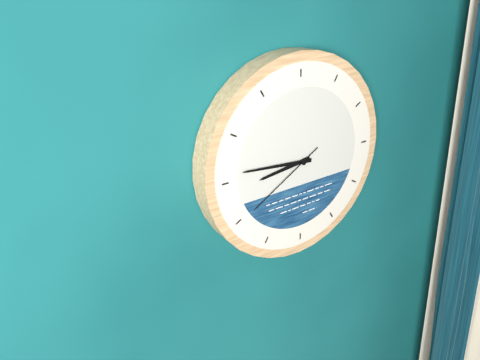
8:46:40
